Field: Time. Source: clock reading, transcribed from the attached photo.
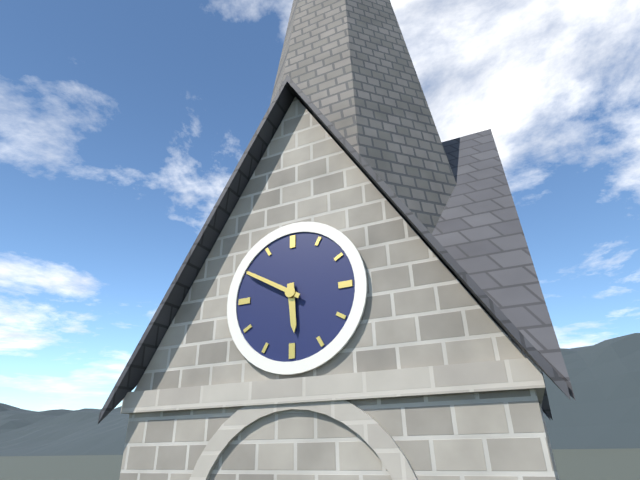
5:50
